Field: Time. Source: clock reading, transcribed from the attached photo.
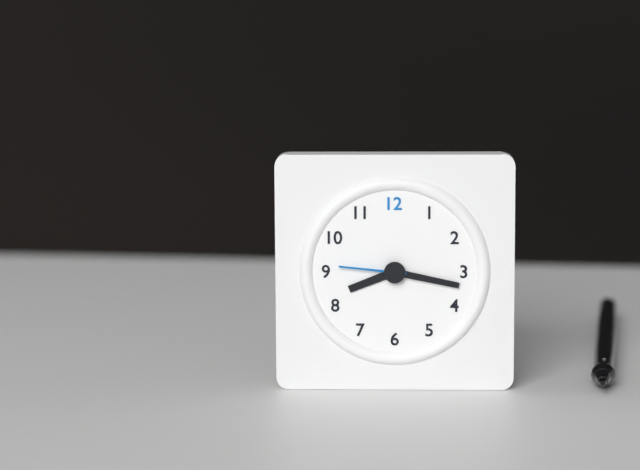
8:17:46
